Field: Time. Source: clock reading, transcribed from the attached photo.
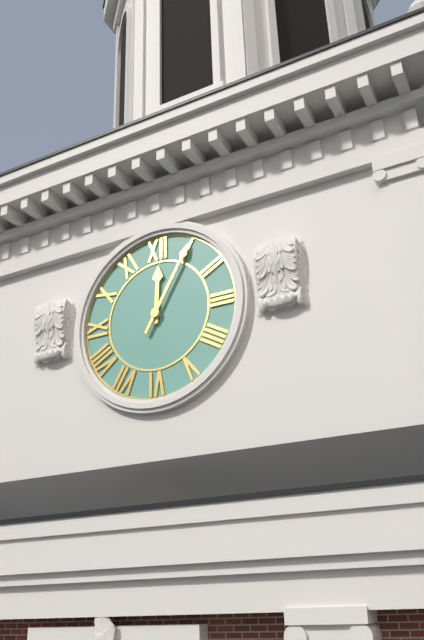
12:05
